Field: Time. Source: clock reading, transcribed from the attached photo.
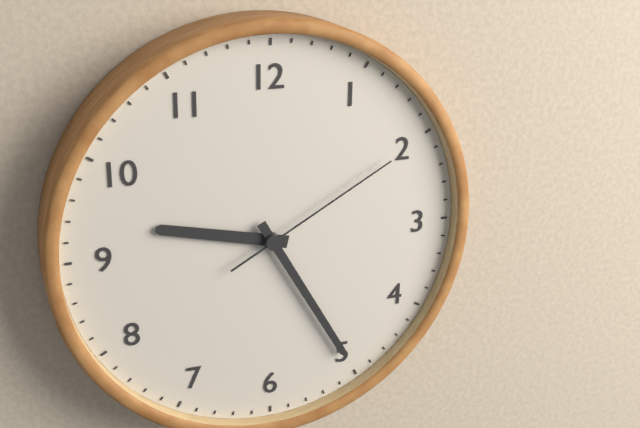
9:25:10
